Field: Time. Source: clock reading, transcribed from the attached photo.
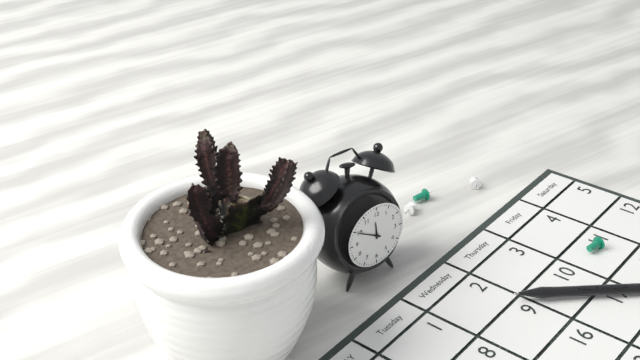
11:50
